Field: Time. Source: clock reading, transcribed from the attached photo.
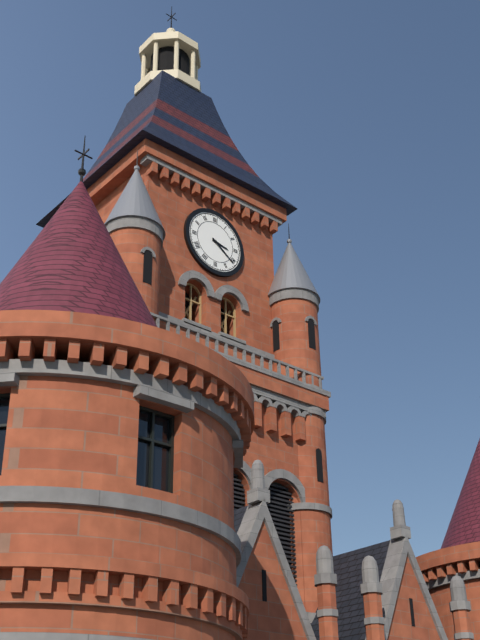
3:21
